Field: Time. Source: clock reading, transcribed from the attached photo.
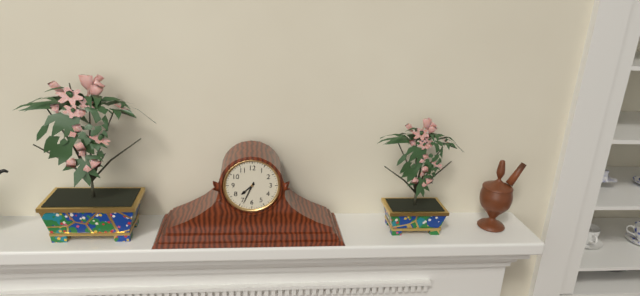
7:34
